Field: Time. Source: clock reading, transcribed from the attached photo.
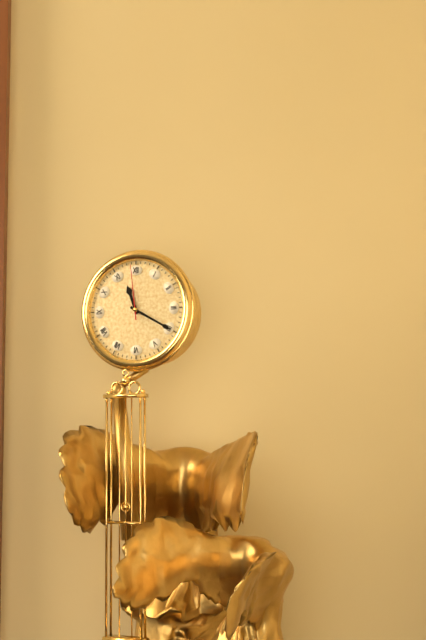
11:20:59
